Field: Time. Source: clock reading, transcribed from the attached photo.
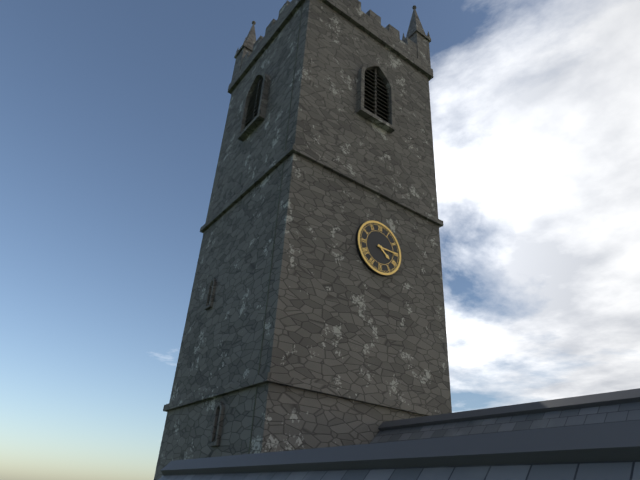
4:15
